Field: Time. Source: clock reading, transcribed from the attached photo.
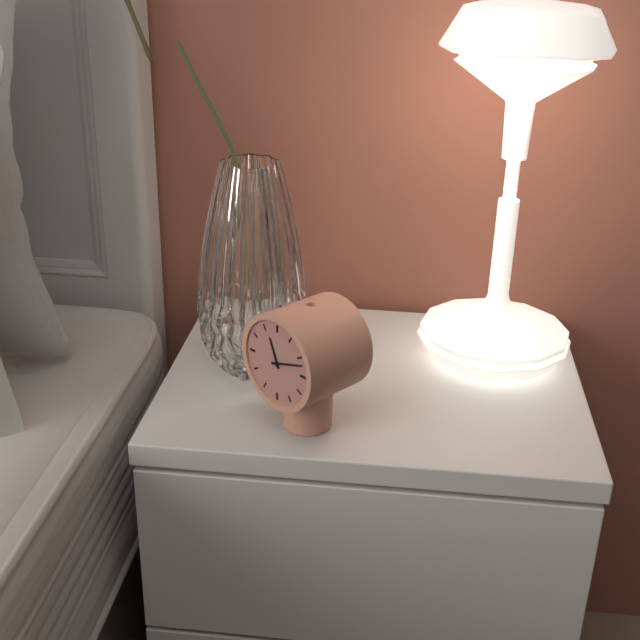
11:12
